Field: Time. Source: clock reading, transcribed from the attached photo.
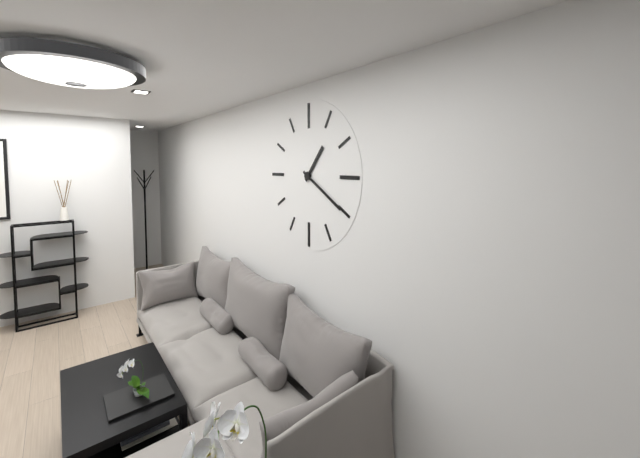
1:20
